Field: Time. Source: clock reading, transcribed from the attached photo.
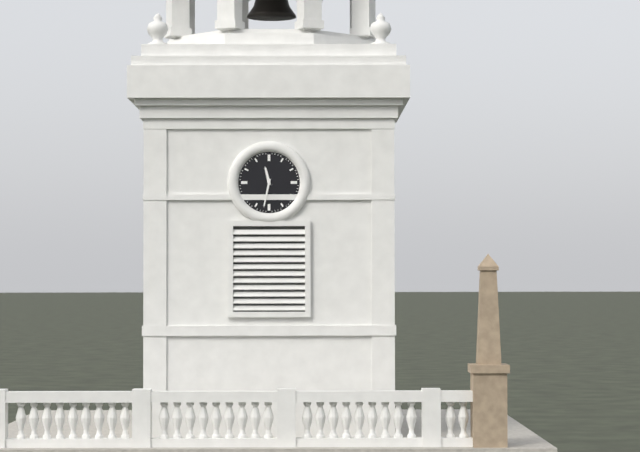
11:32
